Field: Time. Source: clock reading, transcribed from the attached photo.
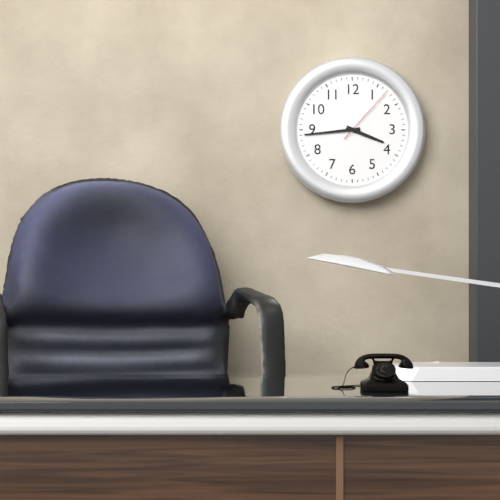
3:44:07
